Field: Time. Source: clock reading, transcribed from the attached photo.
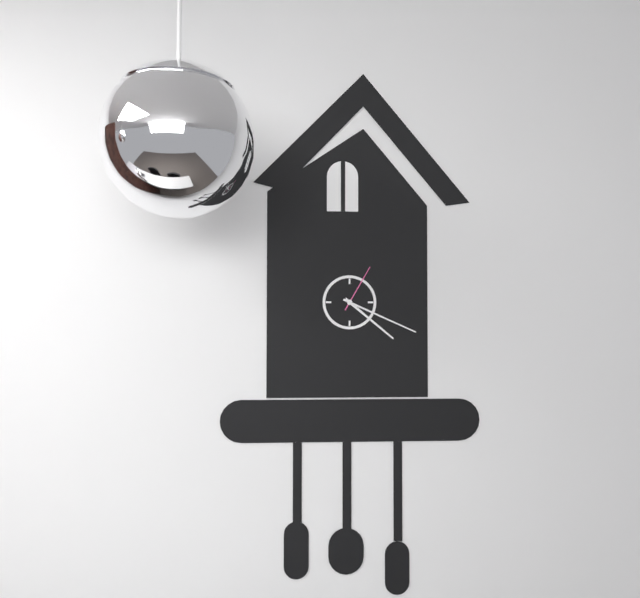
4:19:05
